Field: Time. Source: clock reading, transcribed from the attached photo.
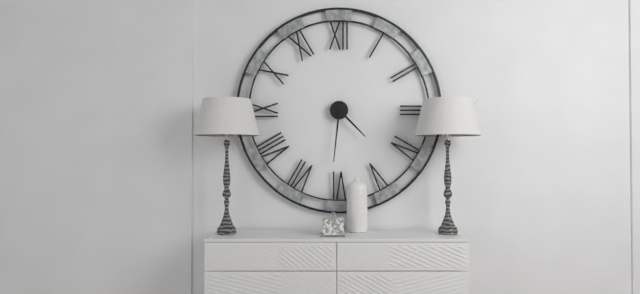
4:31
